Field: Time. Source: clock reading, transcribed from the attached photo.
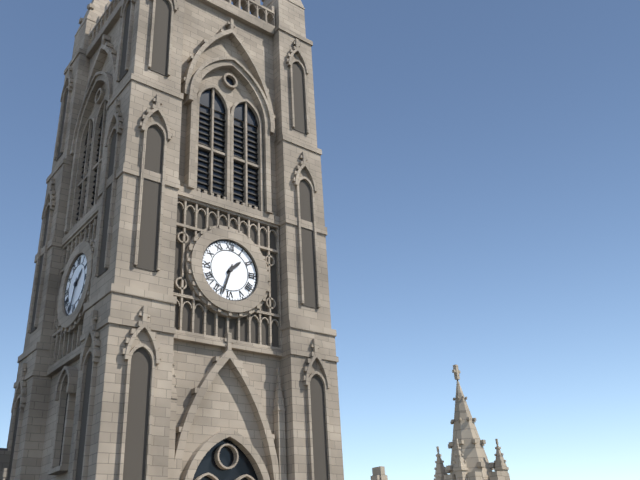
1:33
